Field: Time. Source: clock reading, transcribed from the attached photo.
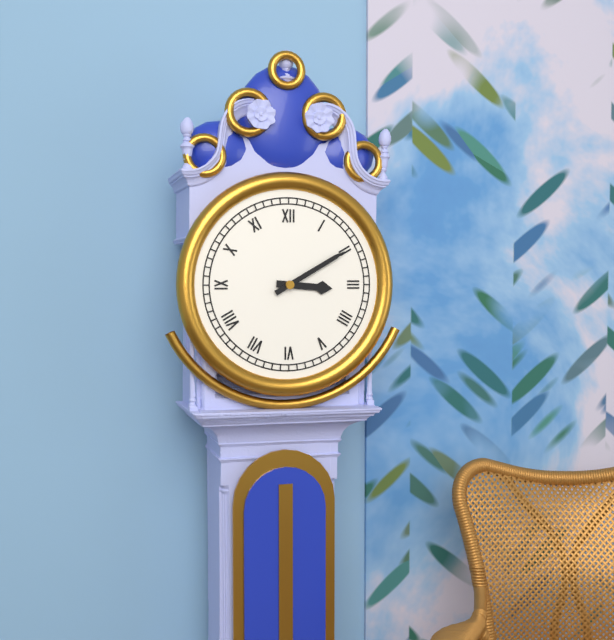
3:10
